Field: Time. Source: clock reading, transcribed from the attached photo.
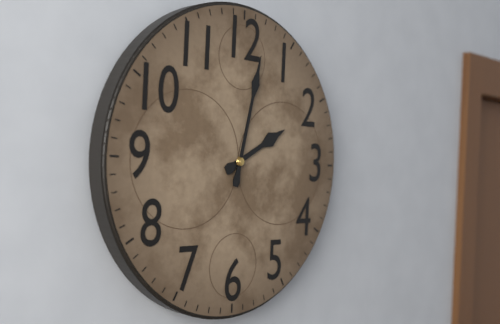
2:02
